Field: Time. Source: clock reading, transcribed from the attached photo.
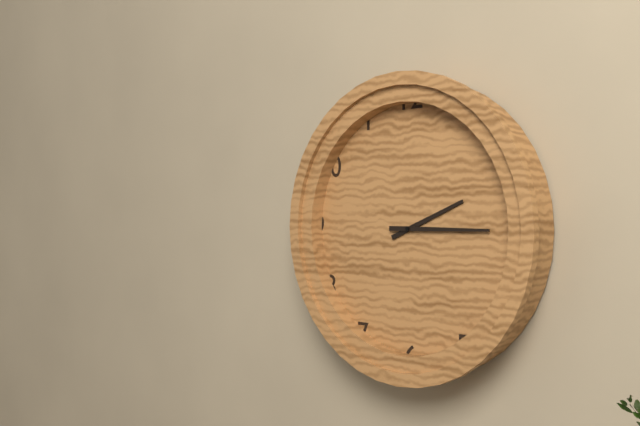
2:15
